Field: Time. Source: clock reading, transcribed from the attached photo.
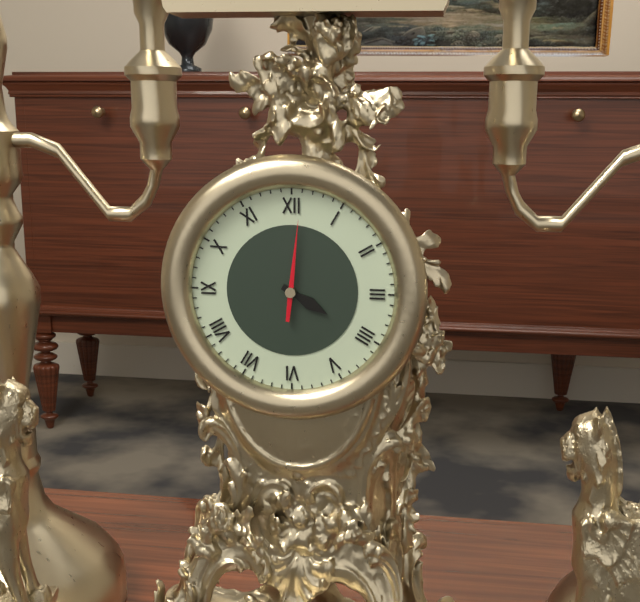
4:01
